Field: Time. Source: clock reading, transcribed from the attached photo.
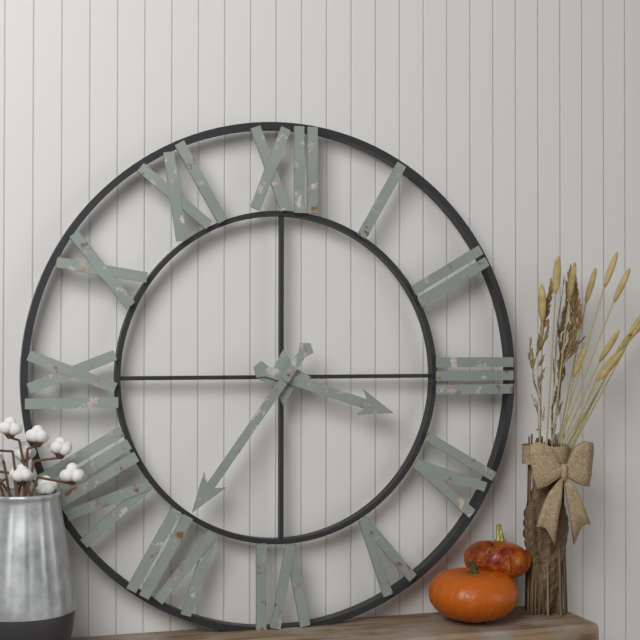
3:36
